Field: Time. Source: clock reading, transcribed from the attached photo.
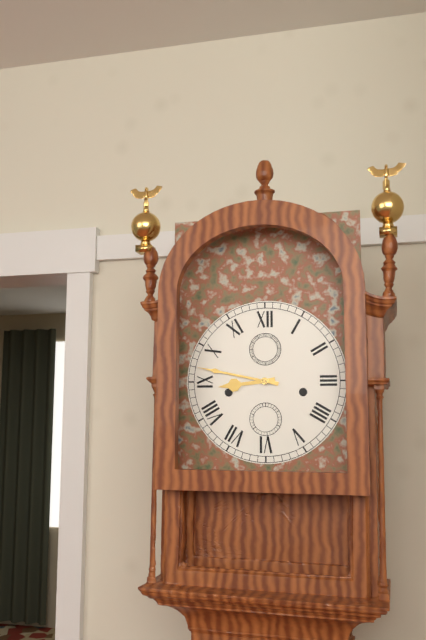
8:47
